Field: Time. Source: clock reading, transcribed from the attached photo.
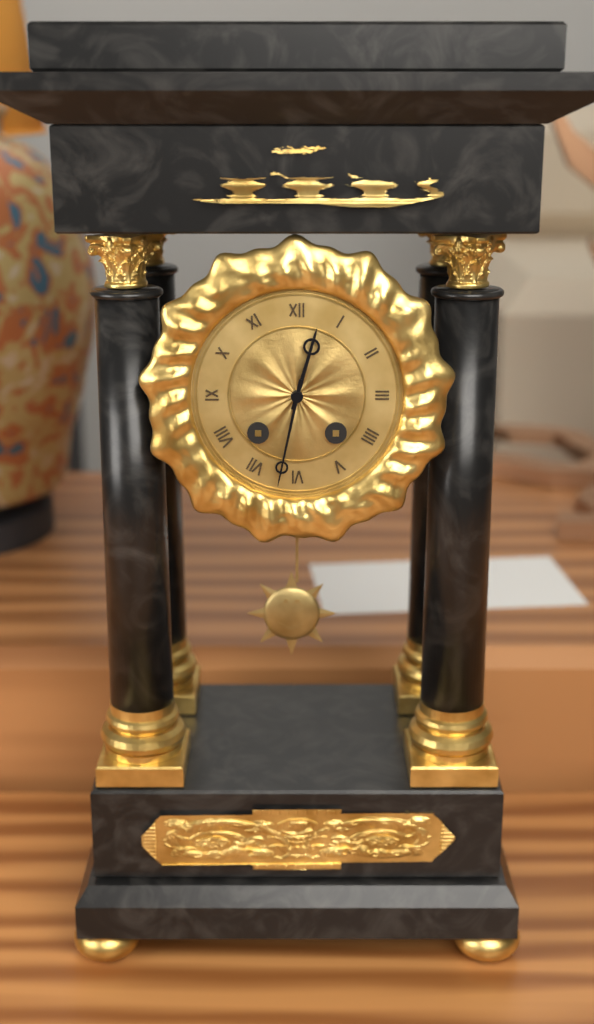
12:32
